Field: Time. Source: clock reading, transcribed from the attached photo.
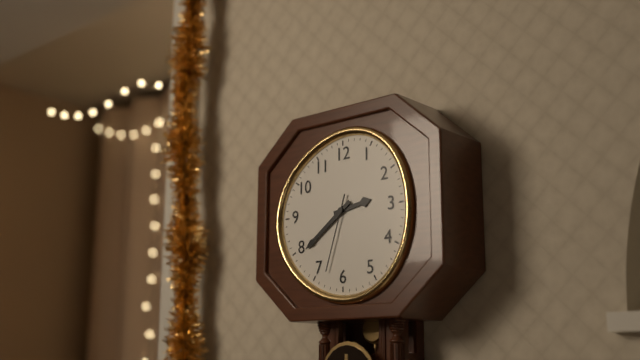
2:39:33
